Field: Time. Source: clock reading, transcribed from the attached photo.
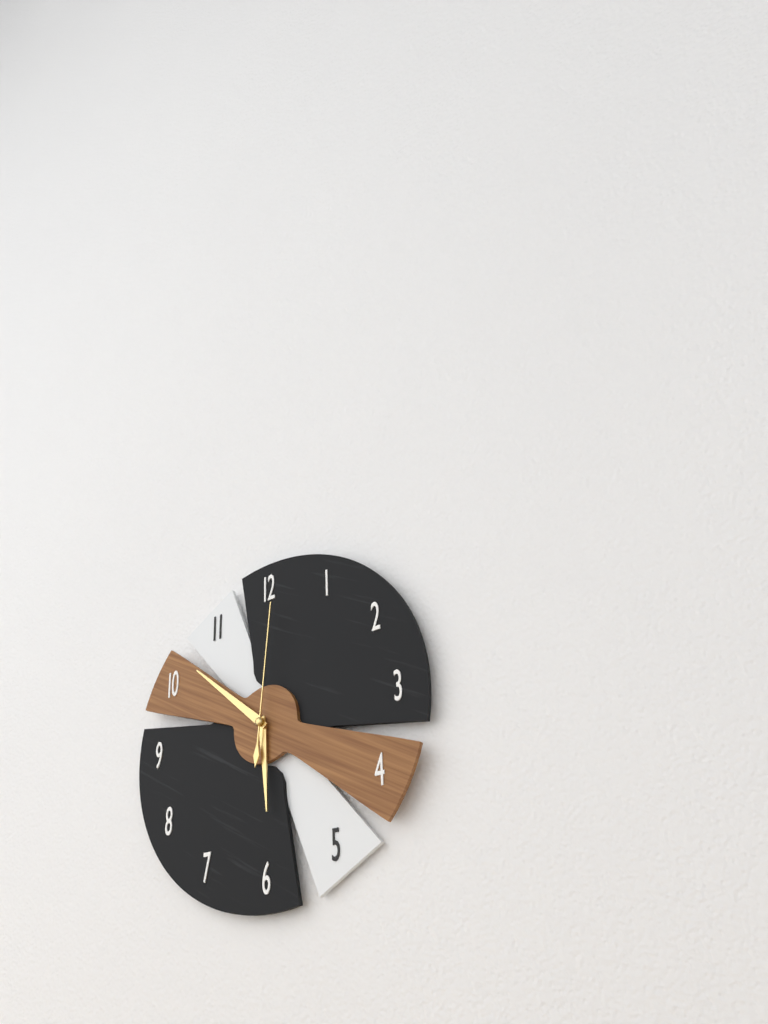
5:52:01
